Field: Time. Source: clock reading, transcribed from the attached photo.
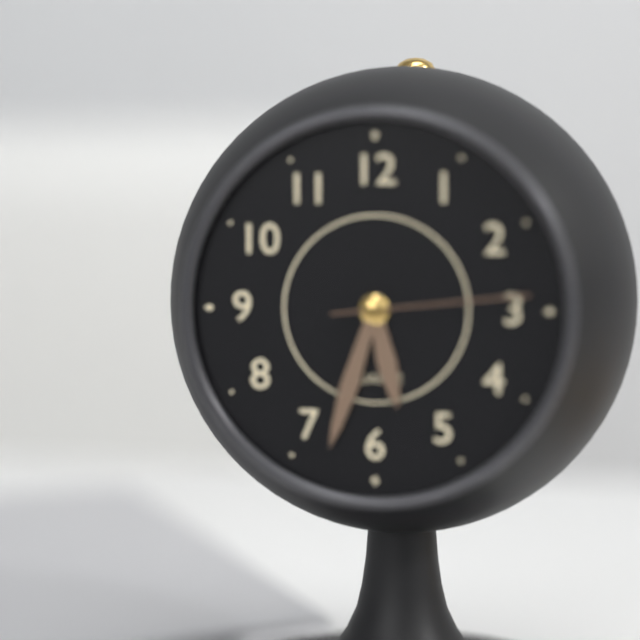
5:33:14
